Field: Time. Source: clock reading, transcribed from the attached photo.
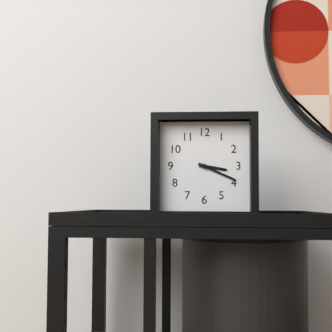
3:19
